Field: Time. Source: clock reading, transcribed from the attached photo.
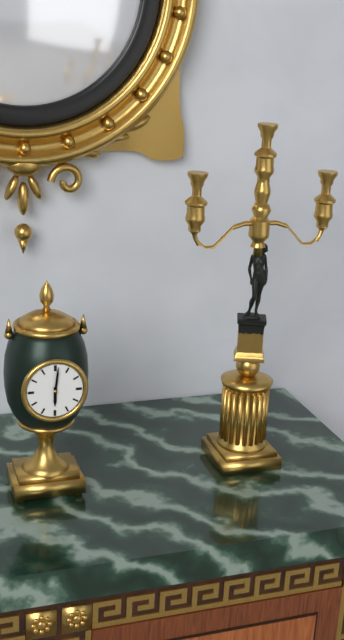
6:01
